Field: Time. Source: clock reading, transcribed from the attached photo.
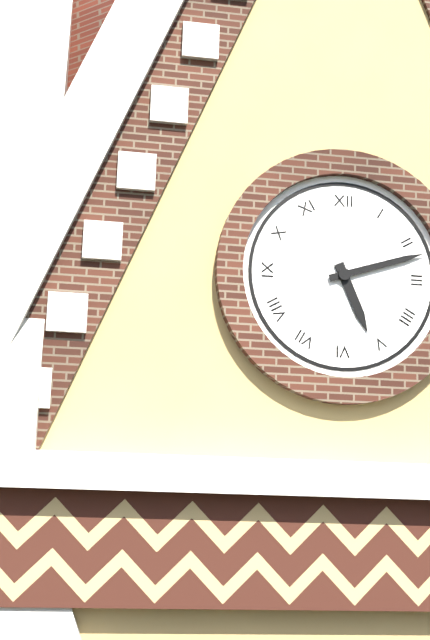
5:12
